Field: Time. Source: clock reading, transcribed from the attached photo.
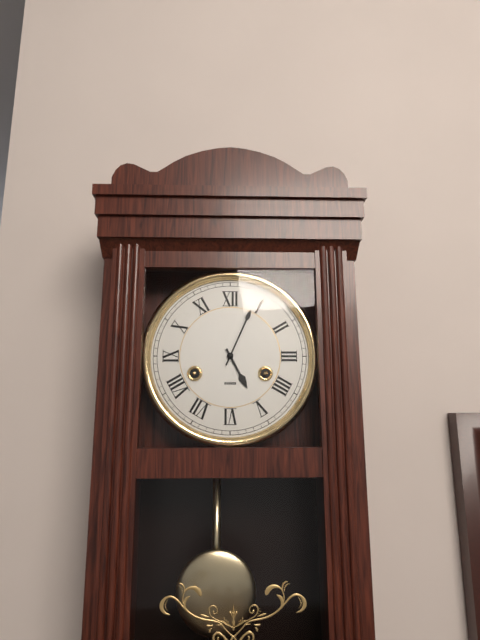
5:04
